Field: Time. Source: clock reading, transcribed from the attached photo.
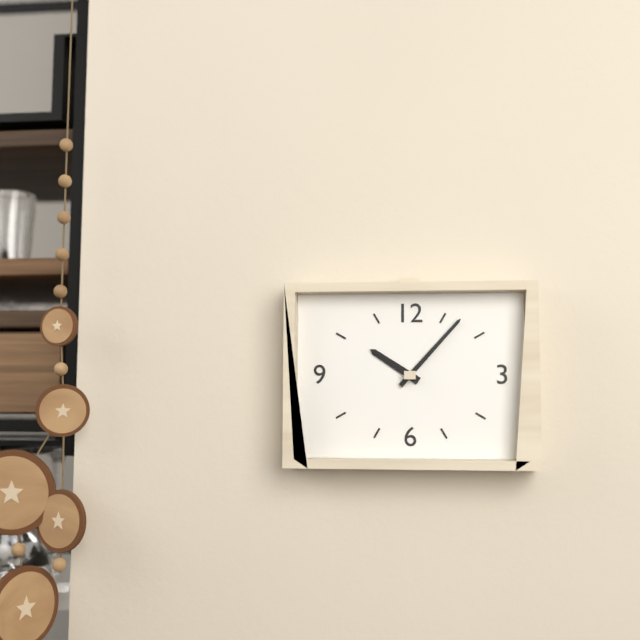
10:07
